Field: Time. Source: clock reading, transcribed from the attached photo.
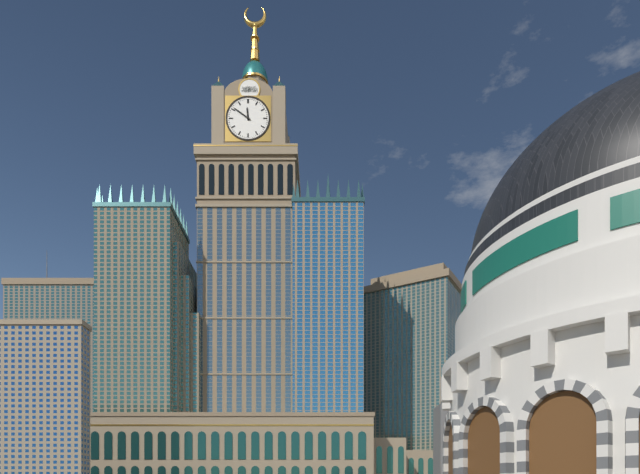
11:51
